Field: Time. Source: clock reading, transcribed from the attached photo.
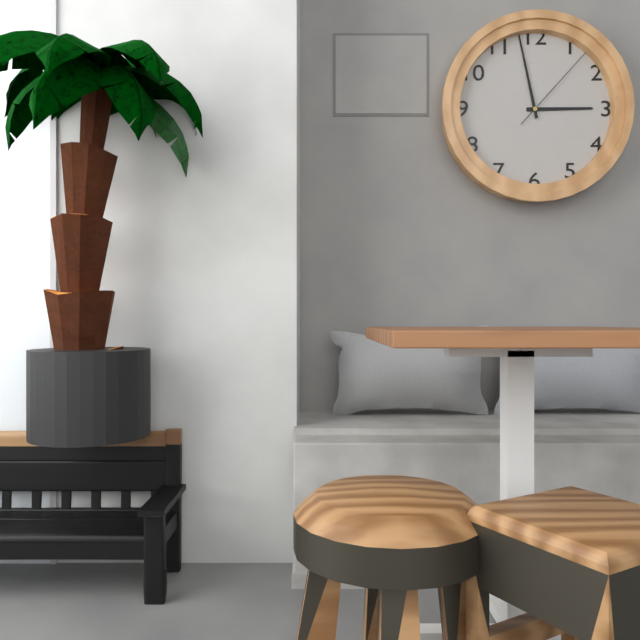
2:58:07
